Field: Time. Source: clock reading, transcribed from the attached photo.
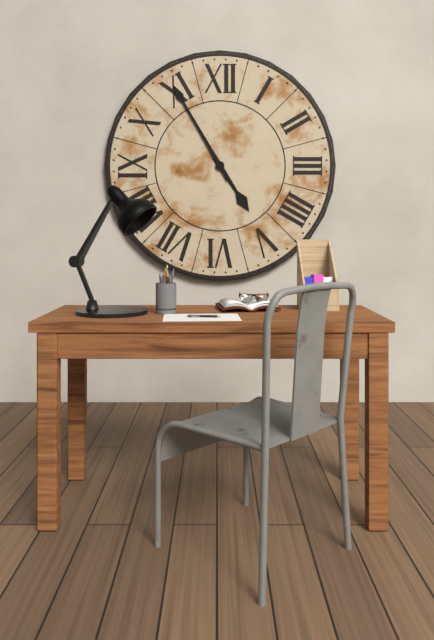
4:55
